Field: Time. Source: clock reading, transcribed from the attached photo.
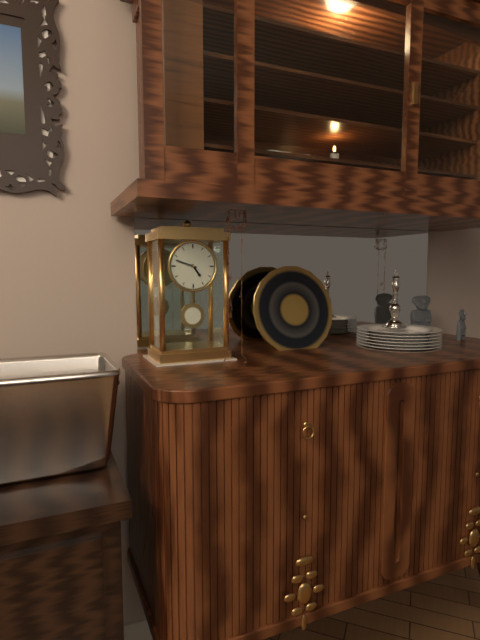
4:48
